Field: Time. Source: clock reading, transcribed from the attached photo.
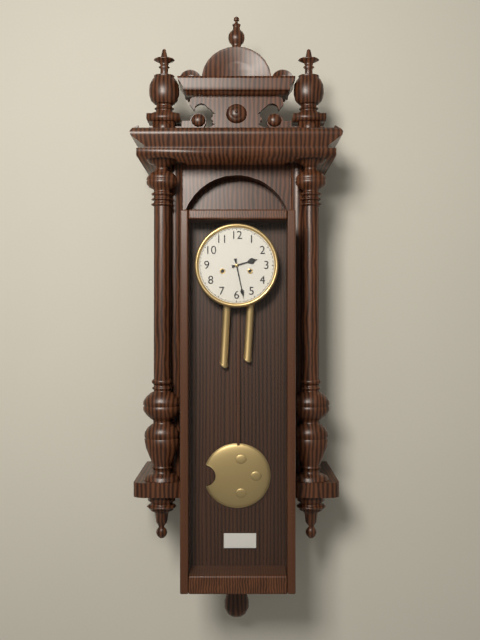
2:28
